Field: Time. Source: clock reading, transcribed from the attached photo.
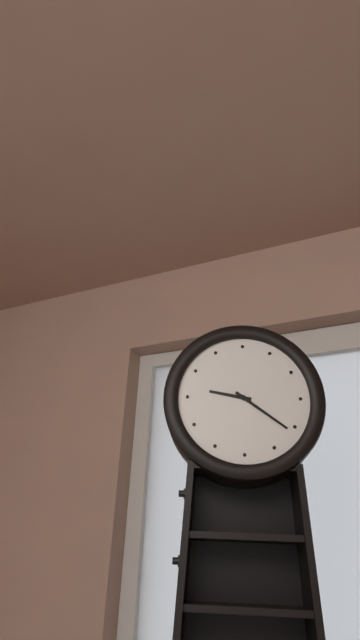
9:21
